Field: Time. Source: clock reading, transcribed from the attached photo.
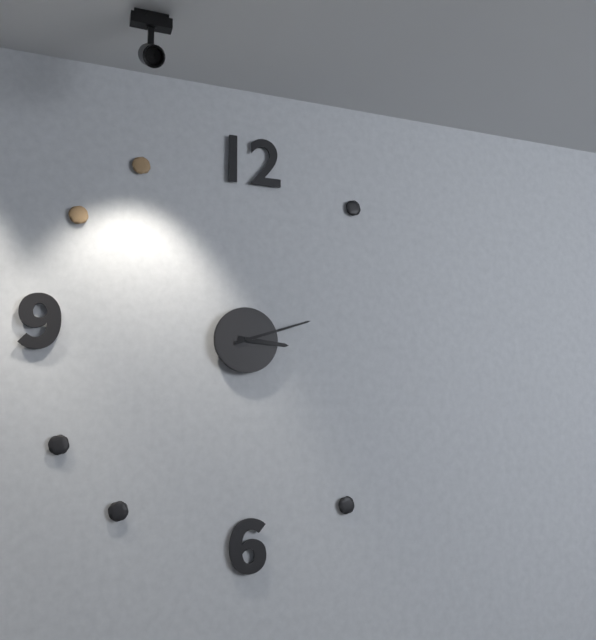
3:12
